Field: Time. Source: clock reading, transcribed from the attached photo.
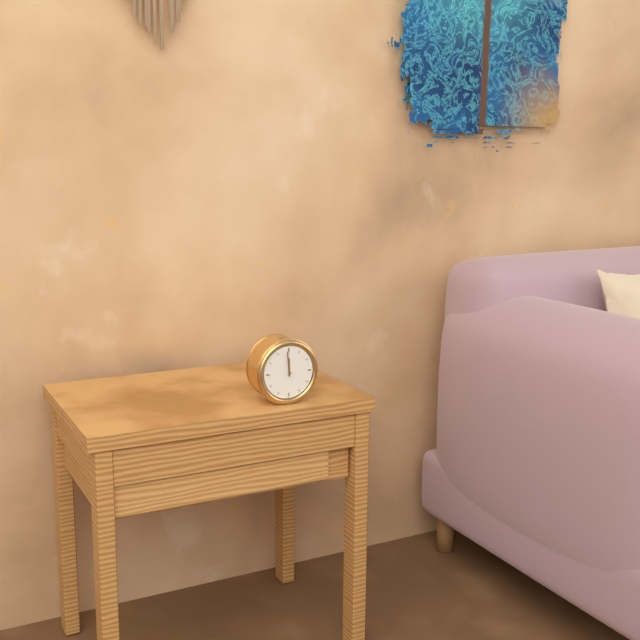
11:59
